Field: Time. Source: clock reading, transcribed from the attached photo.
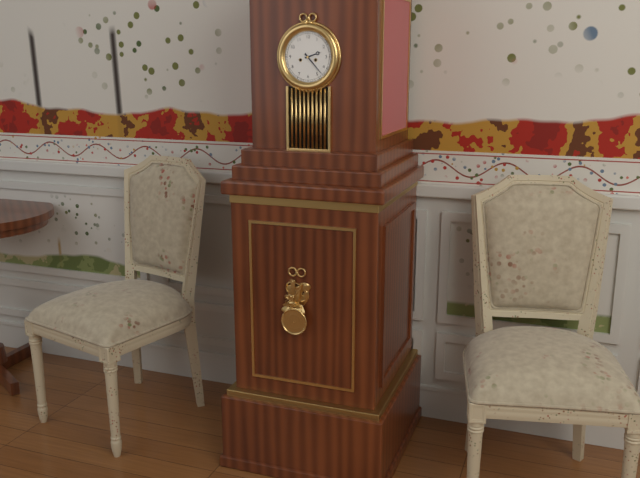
2:23
